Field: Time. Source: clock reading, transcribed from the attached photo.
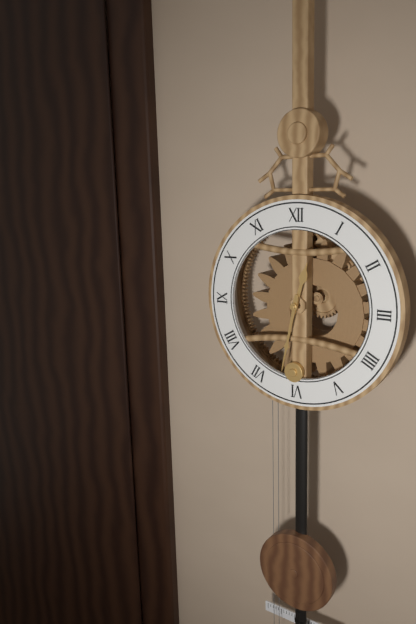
12:32
